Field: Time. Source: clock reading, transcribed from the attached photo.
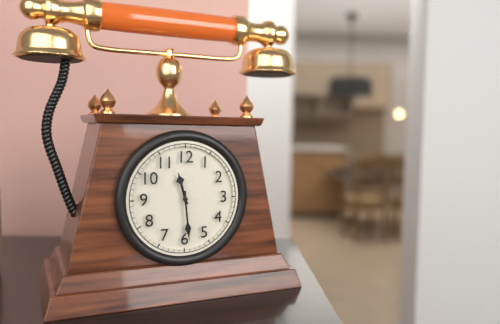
11:29
